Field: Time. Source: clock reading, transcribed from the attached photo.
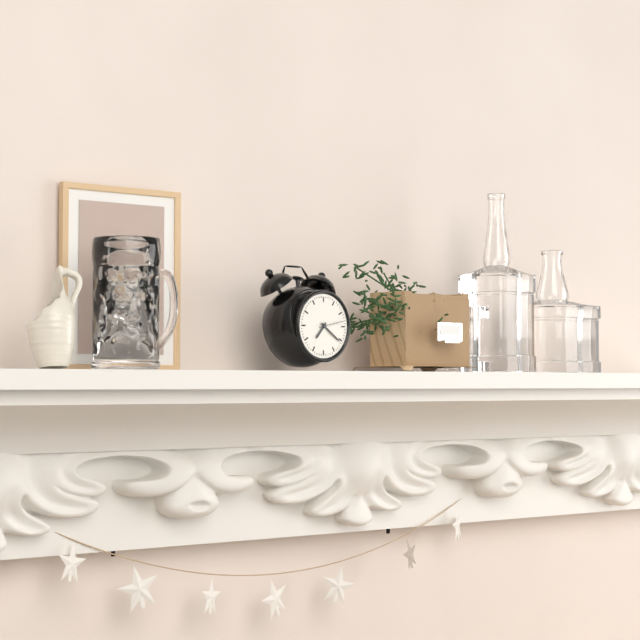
7:21
